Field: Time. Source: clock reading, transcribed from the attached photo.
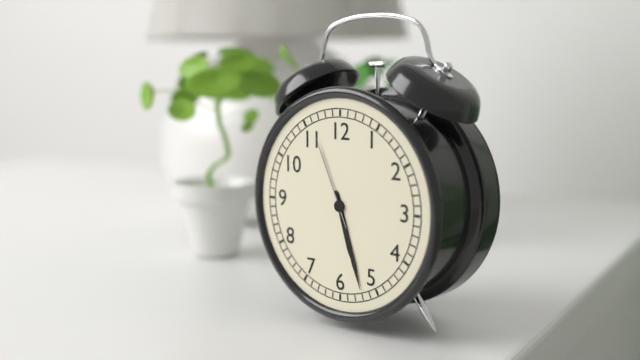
5:27:56
